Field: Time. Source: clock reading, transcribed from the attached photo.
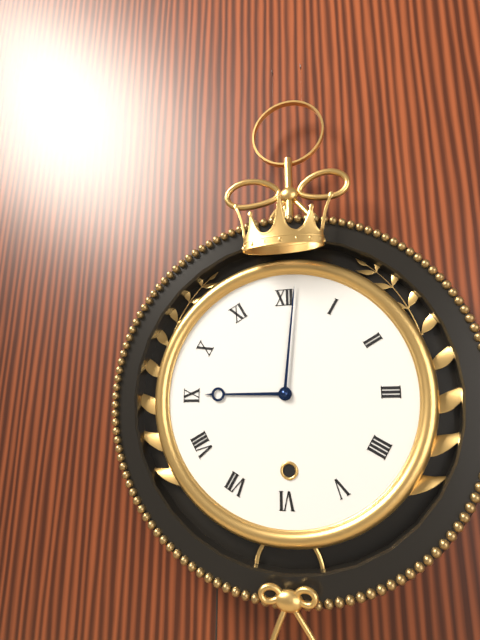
9:01
